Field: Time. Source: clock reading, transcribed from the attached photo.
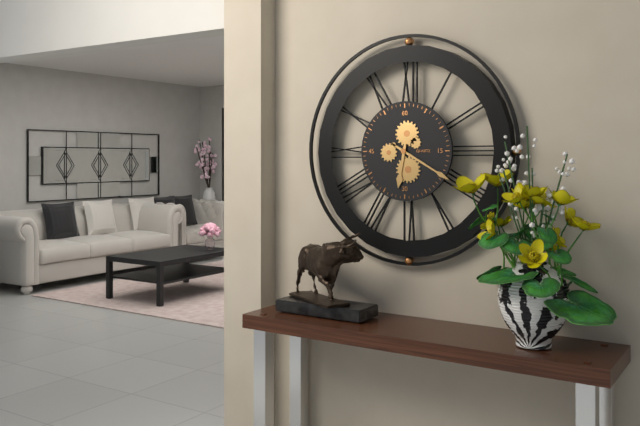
6:20
